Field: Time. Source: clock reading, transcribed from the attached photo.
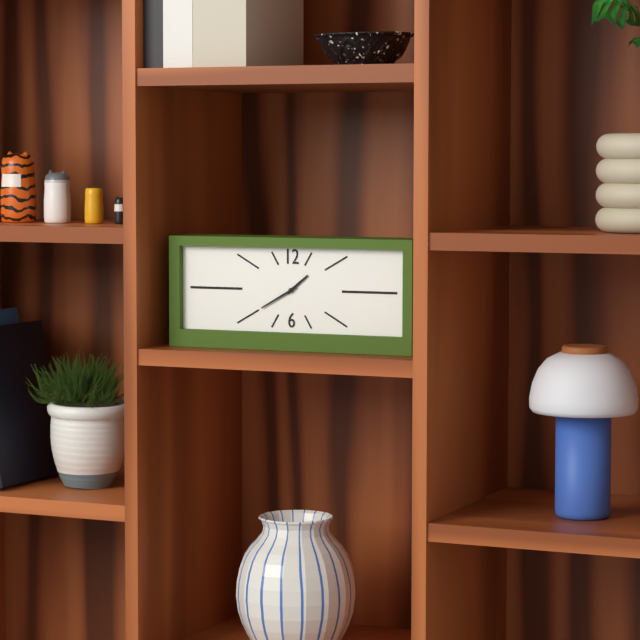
1:40
